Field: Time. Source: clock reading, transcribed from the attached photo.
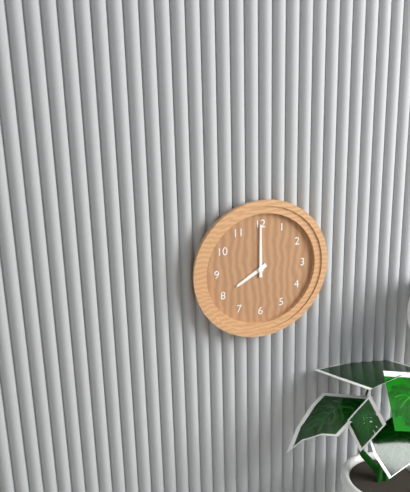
8:00
